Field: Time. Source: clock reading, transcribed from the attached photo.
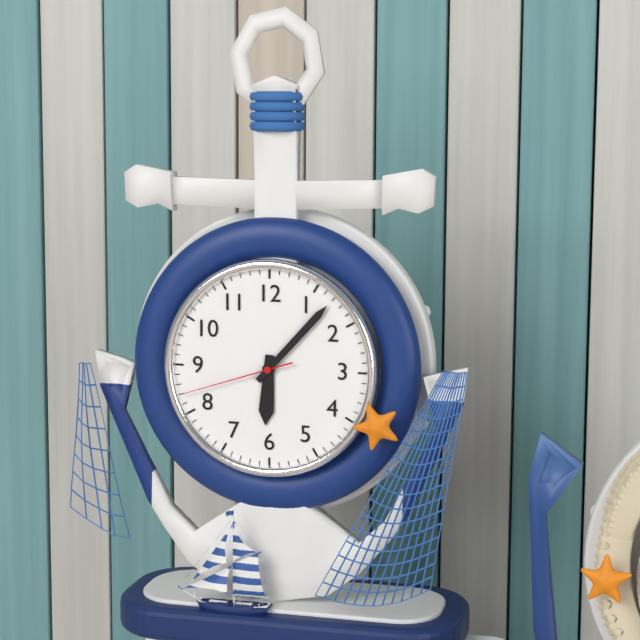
6:07:42
